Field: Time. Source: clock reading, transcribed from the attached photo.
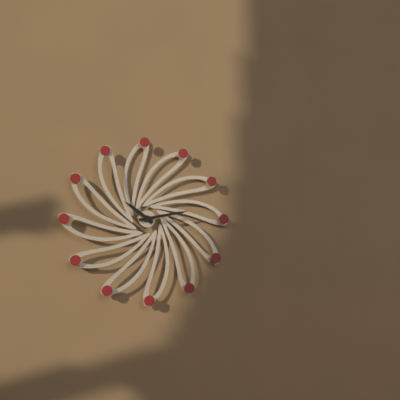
10:13
